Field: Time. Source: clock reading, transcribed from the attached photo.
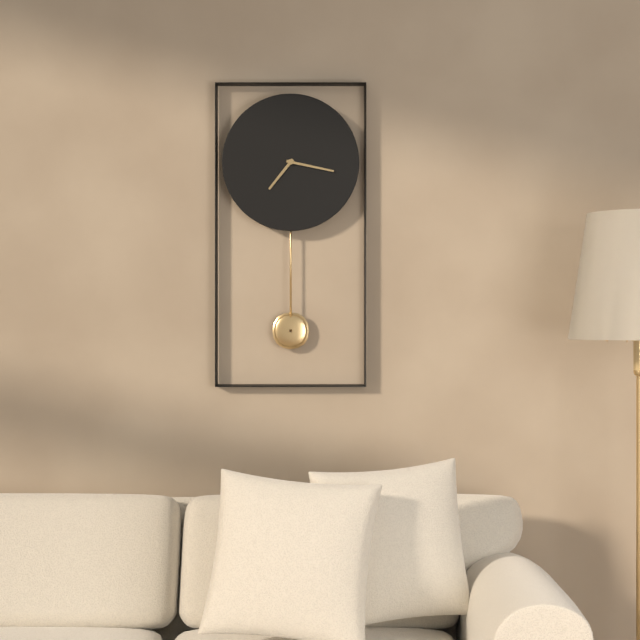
7:17
